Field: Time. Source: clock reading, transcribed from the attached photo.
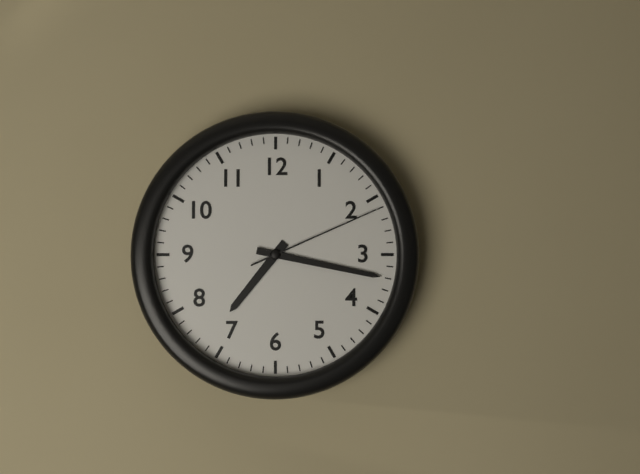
7:17:11
